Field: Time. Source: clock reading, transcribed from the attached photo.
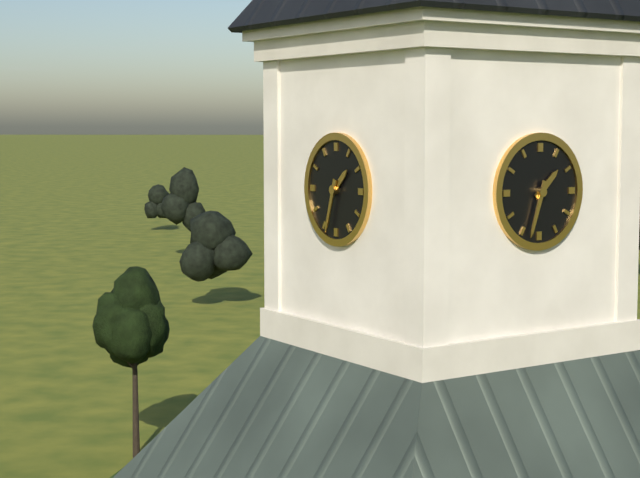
1:33
